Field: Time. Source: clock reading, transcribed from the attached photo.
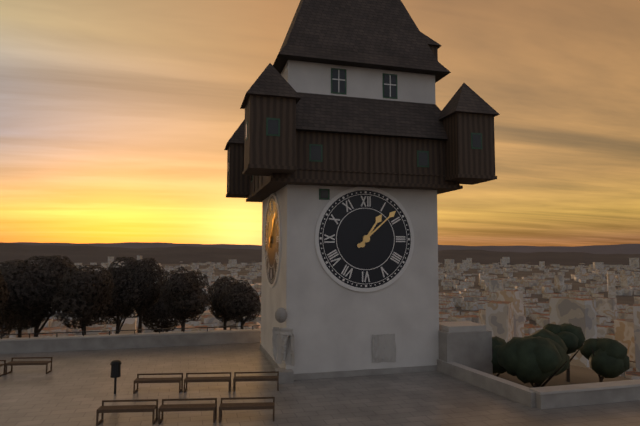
1:08
